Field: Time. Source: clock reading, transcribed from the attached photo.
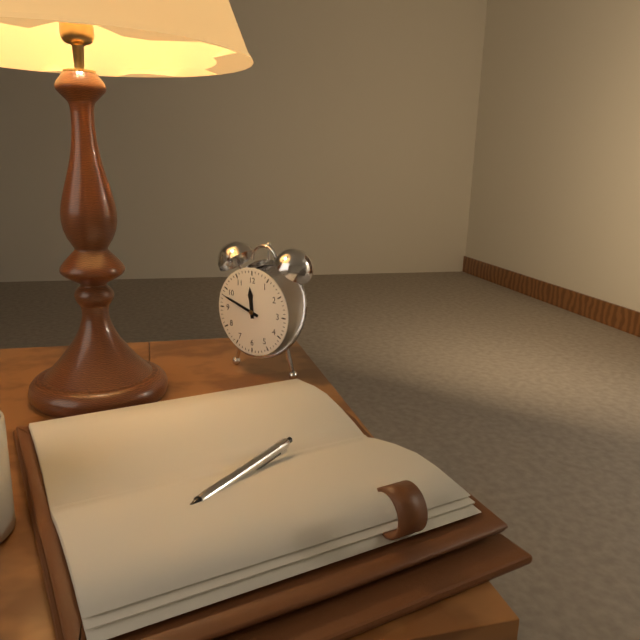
11:48
